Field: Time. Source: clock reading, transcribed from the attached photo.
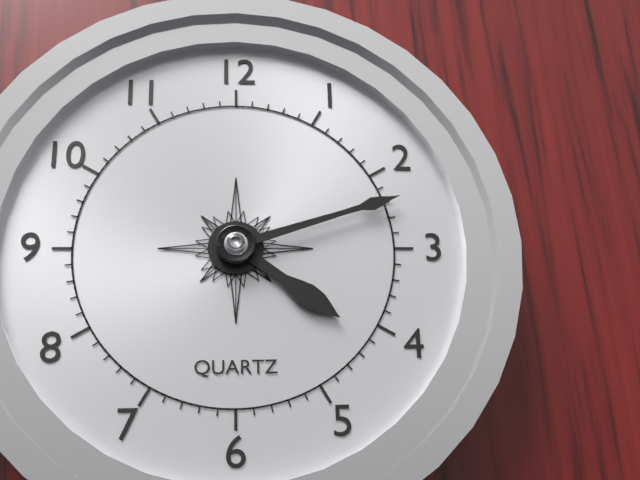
4:12
